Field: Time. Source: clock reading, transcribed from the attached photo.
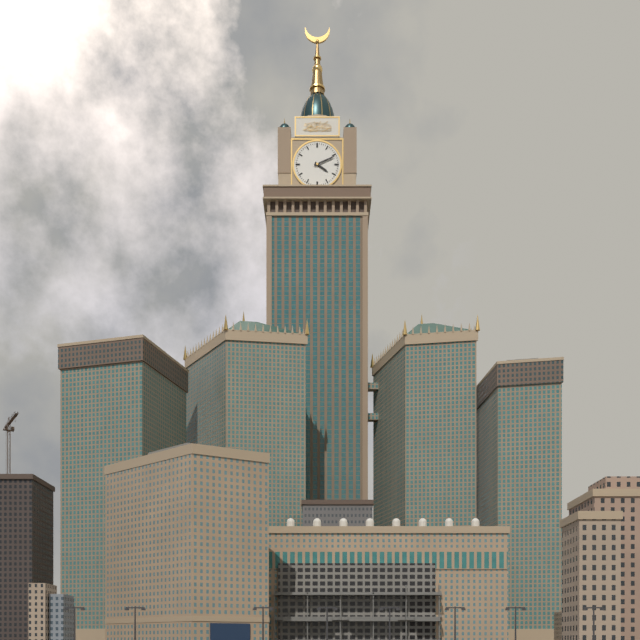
4:11
